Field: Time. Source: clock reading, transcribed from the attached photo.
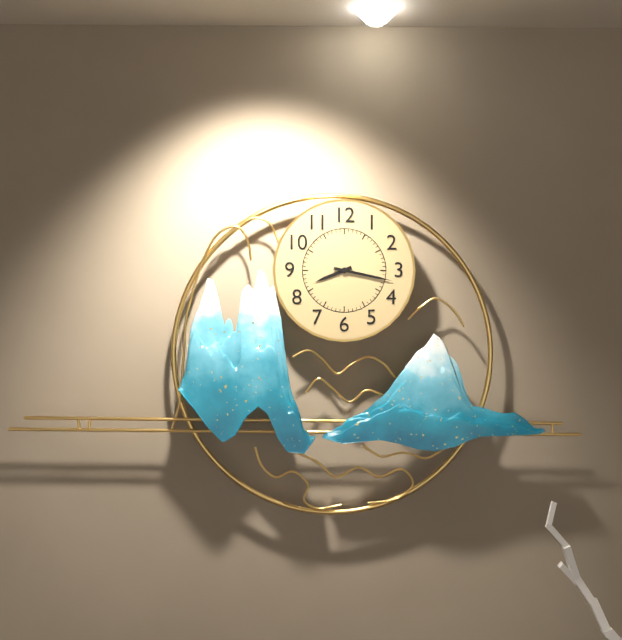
8:17
